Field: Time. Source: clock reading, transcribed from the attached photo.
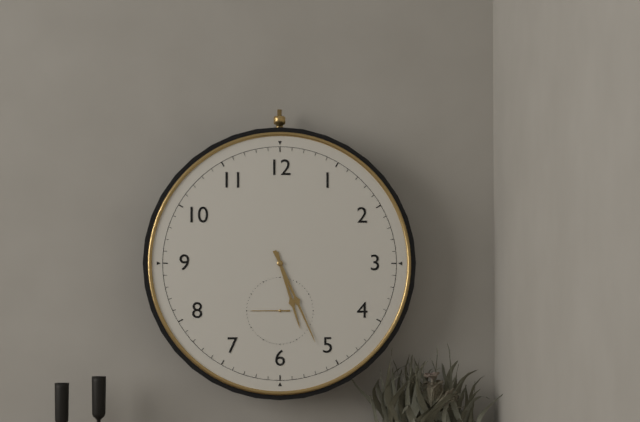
5:26
